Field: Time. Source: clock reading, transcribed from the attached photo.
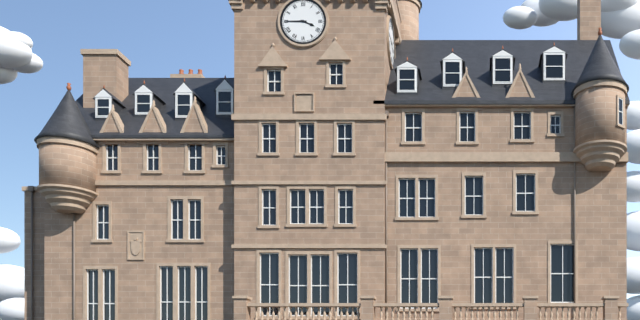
3:45
